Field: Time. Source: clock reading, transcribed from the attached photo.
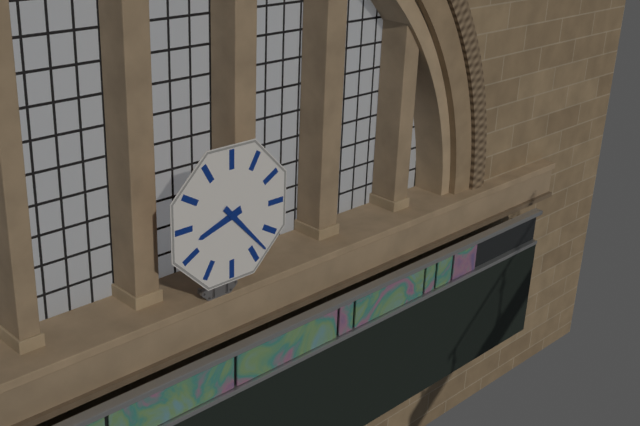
8:23
